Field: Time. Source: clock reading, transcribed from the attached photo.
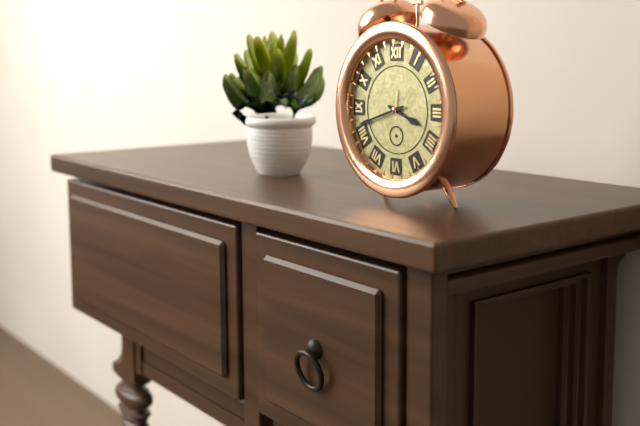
3:42
